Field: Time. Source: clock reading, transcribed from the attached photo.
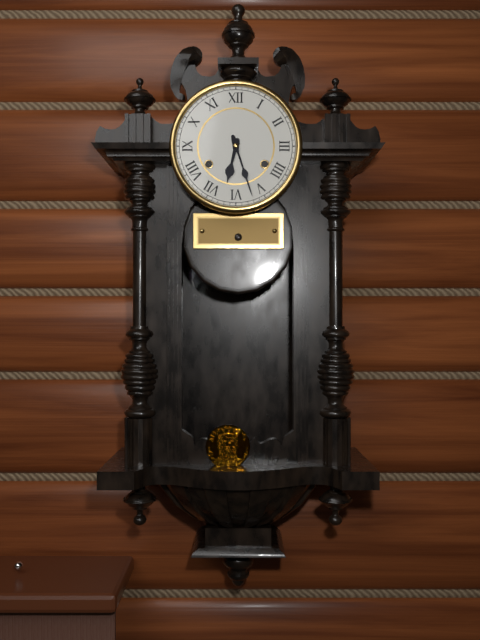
6:27
